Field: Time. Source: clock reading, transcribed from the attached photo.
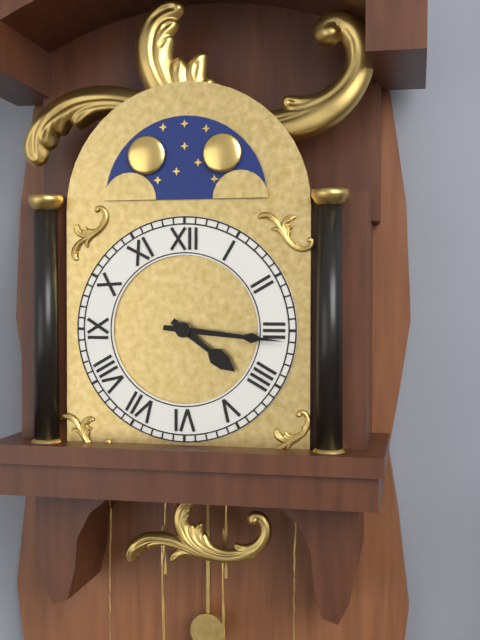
4:16
